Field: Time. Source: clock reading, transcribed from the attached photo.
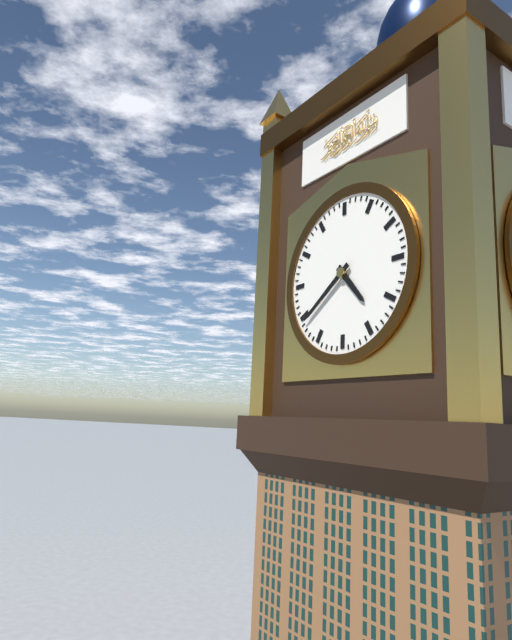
4:39
